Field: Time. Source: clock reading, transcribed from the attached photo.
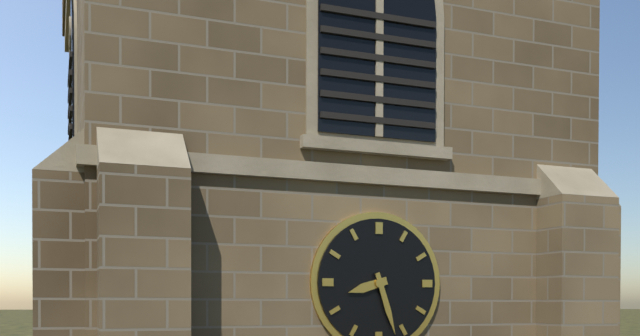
8:27
